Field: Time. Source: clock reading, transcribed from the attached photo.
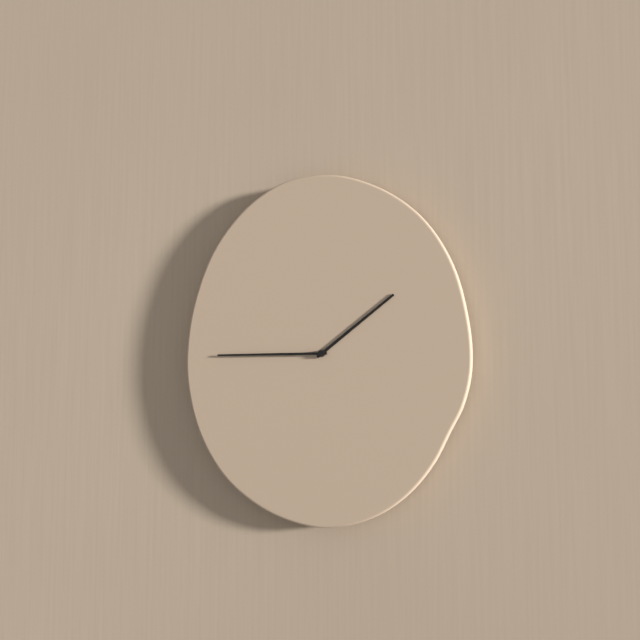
1:45
